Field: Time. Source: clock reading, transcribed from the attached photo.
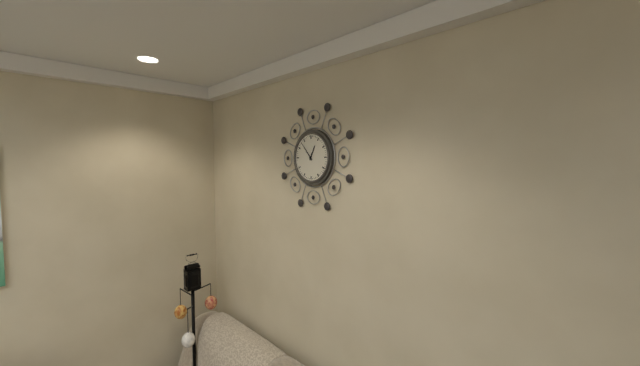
12:53
